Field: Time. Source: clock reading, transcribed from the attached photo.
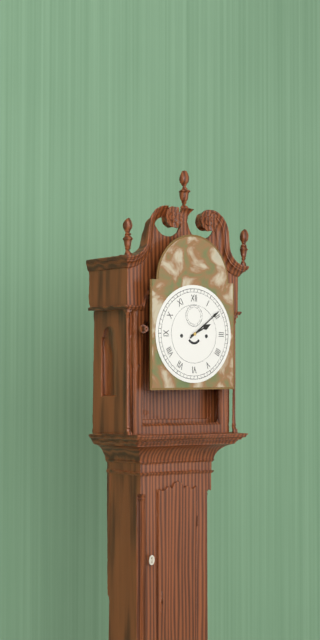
2:09
